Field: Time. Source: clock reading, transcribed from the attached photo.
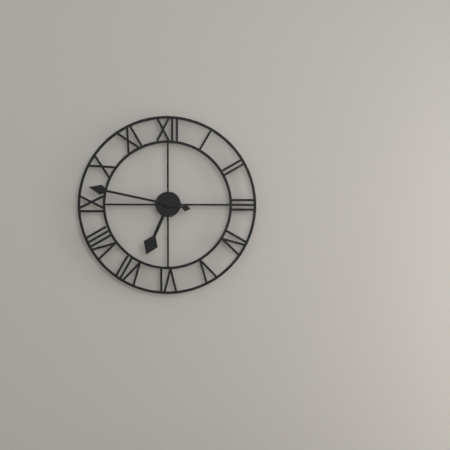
6:47
